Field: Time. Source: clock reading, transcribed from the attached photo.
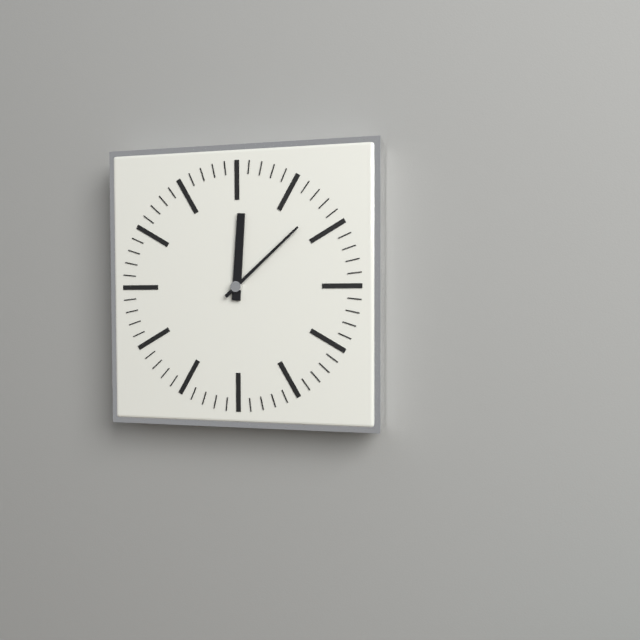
12:08
